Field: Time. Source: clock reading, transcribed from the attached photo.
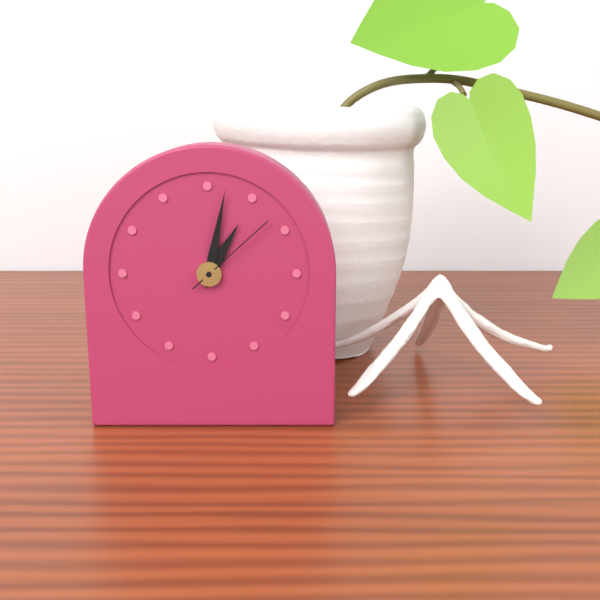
1:02:08
